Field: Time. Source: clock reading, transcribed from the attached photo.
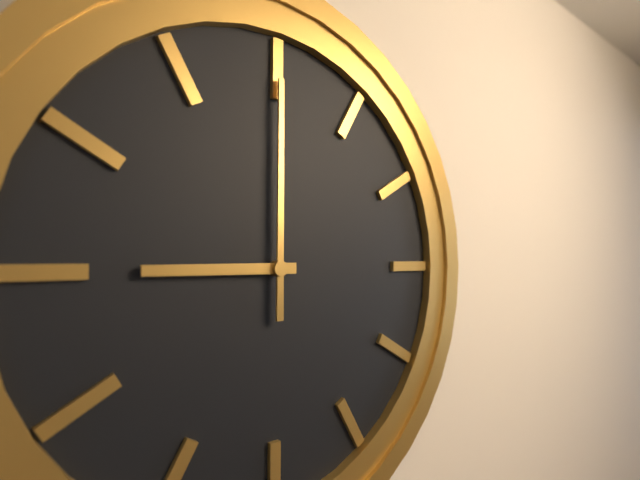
9:00
